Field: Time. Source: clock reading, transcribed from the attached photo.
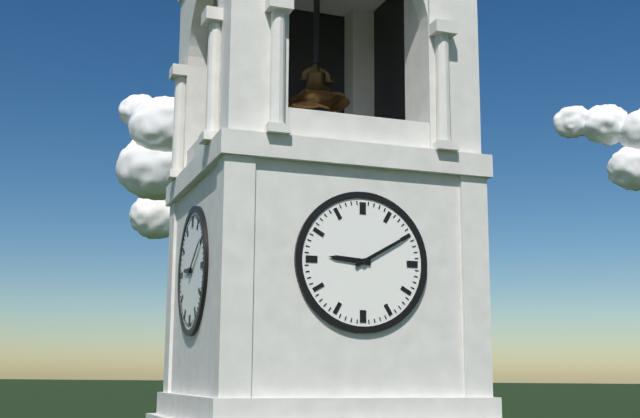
9:10
